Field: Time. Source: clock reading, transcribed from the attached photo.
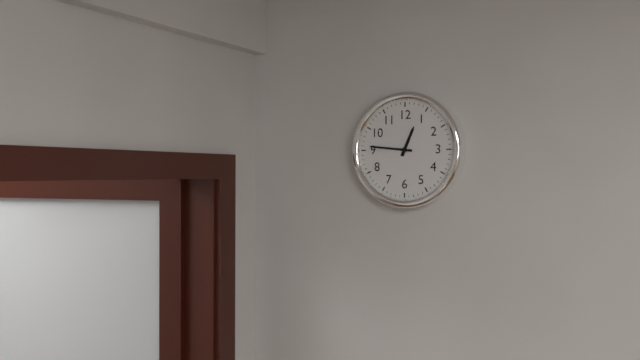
12:46
